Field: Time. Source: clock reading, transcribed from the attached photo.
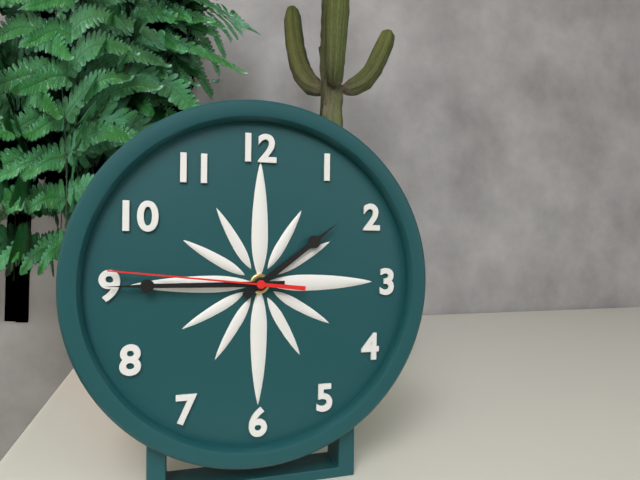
1:45:46
